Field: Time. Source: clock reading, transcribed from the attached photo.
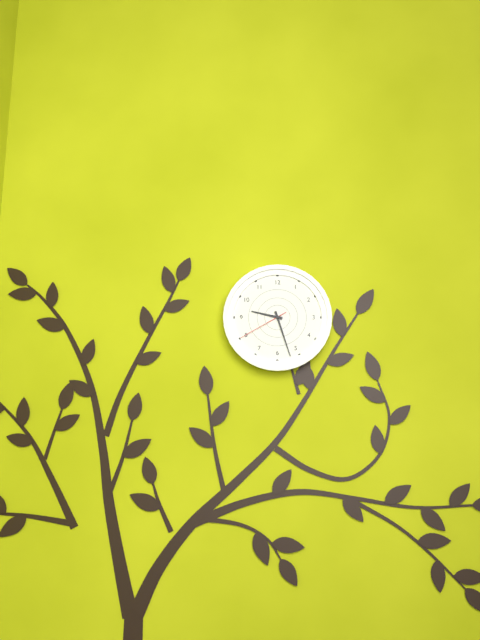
9:27:40
